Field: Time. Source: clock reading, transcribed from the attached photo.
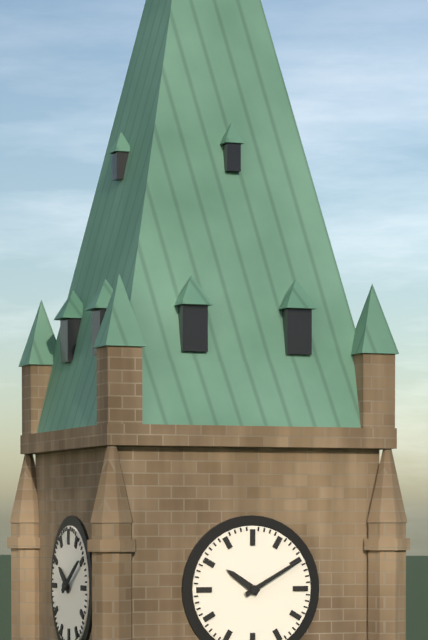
10:10
